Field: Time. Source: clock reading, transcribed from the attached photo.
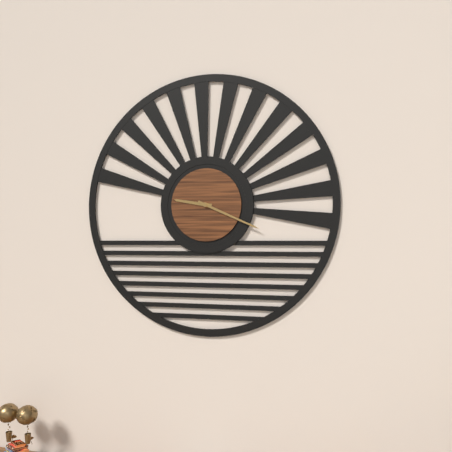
9:19
